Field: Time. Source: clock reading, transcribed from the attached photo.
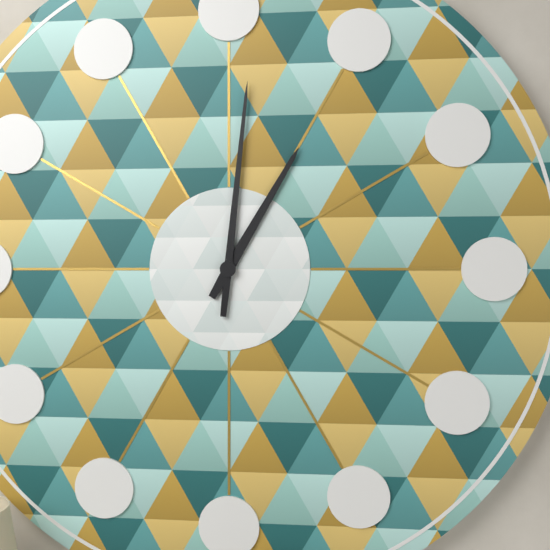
1:01
